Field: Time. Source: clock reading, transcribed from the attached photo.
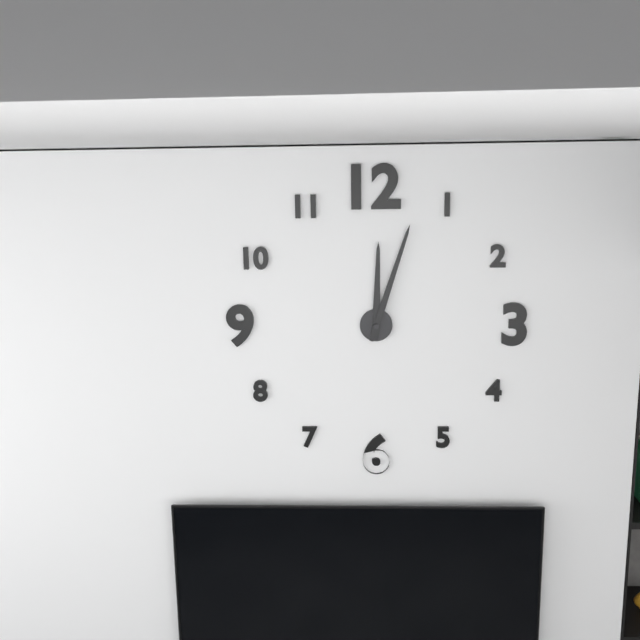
12:03
